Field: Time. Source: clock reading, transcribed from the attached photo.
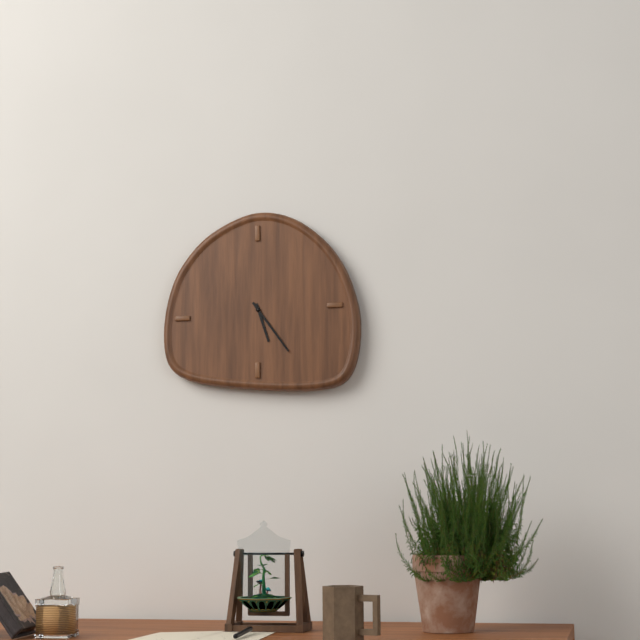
5:24
